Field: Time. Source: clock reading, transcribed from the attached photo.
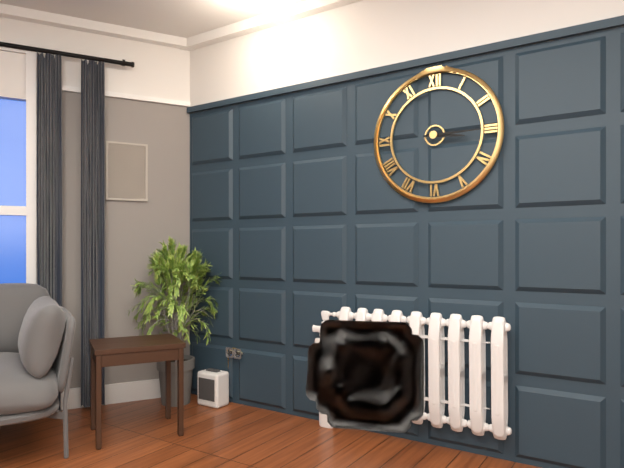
3:15
